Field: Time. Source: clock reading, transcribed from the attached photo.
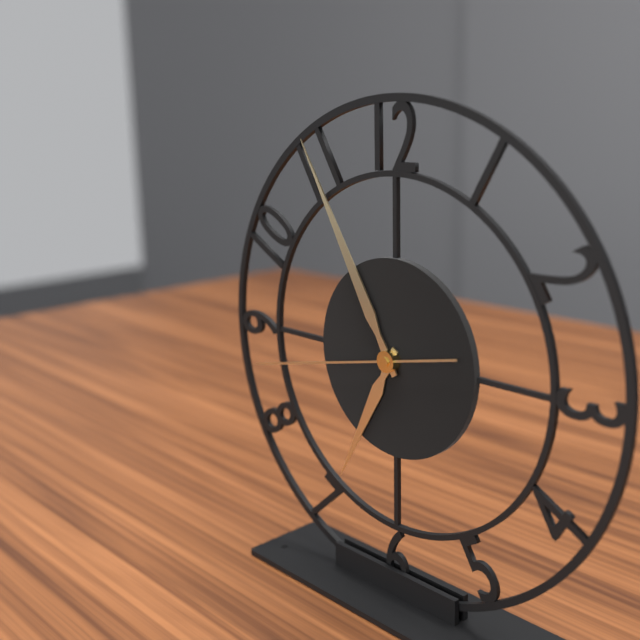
6:55:43
